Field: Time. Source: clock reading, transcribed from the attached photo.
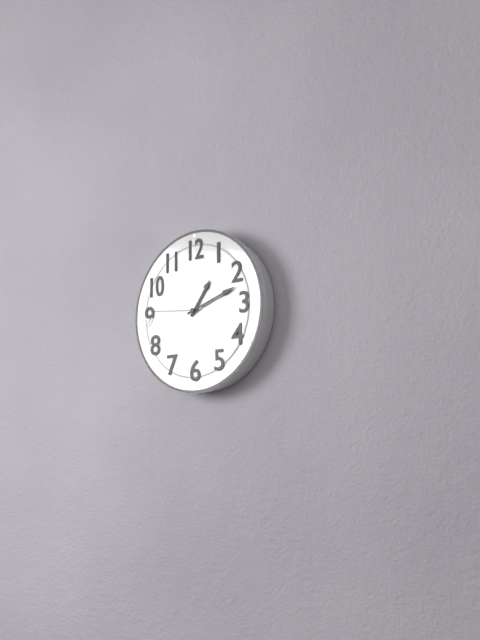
1:12
